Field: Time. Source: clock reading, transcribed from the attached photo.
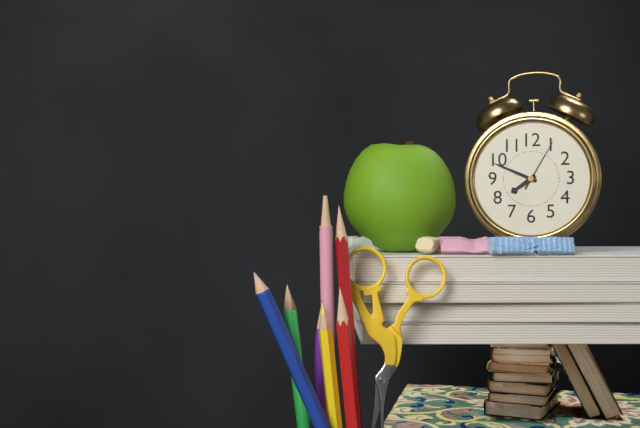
7:49:05
